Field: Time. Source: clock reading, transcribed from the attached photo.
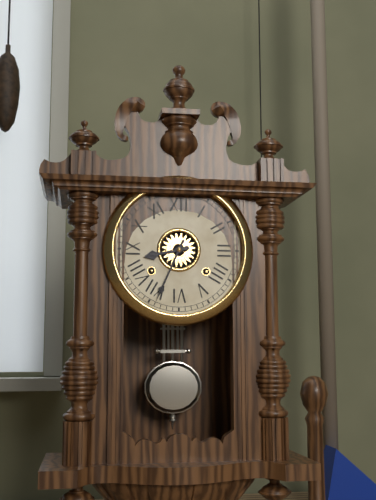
8:34
